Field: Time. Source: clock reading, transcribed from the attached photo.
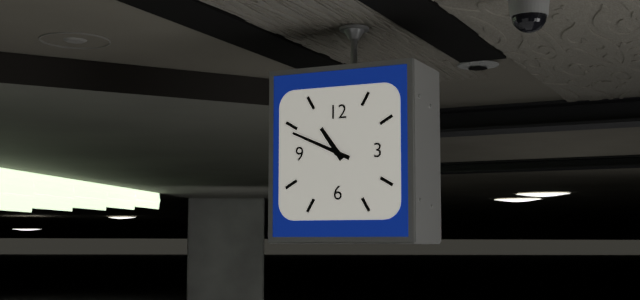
10:49
